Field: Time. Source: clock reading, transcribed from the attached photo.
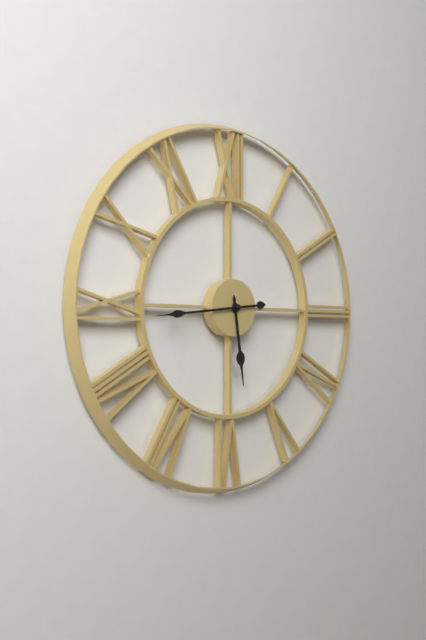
5:44
